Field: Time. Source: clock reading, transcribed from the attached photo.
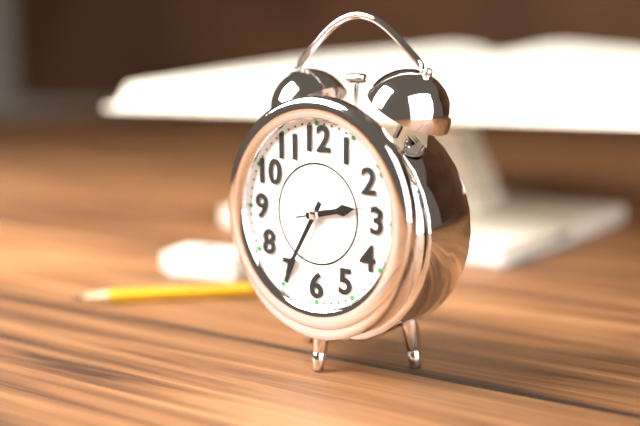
2:35:13
